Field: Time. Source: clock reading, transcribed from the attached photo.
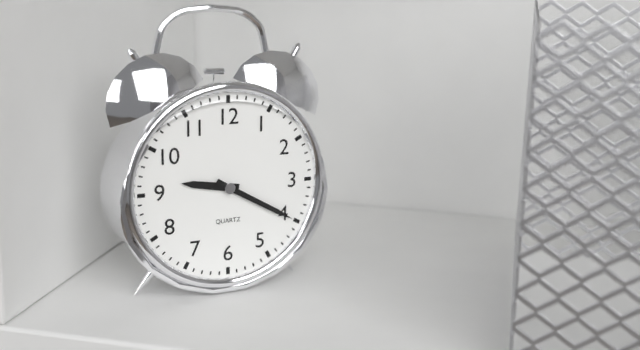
9:20
